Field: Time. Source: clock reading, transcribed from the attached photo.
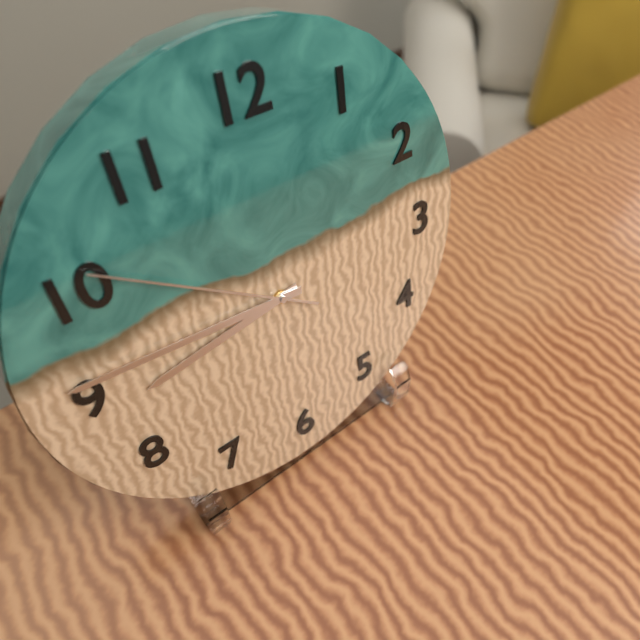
8:46:51
